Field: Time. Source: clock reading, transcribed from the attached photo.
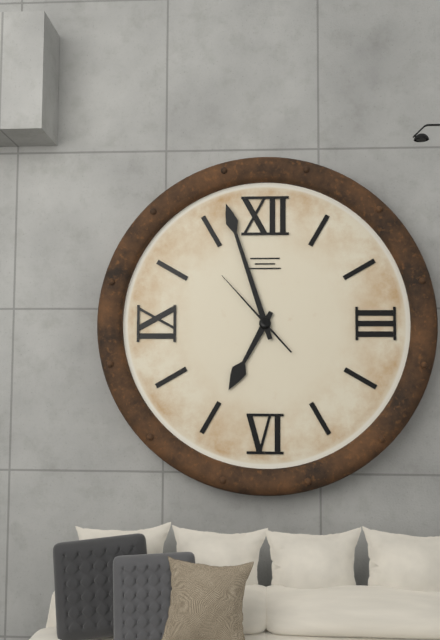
6:57:53
